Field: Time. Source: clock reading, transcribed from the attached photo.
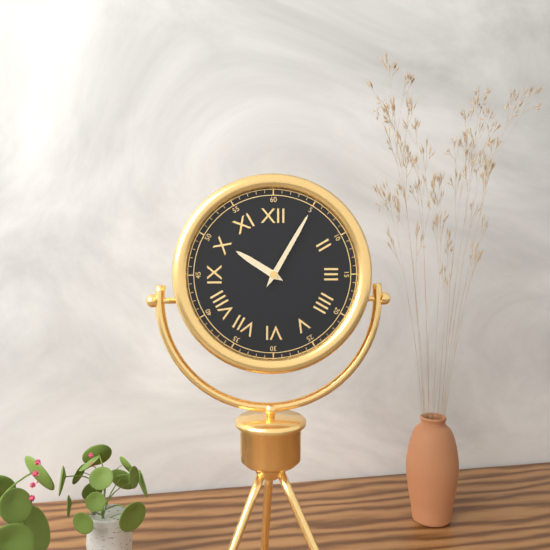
10:05
